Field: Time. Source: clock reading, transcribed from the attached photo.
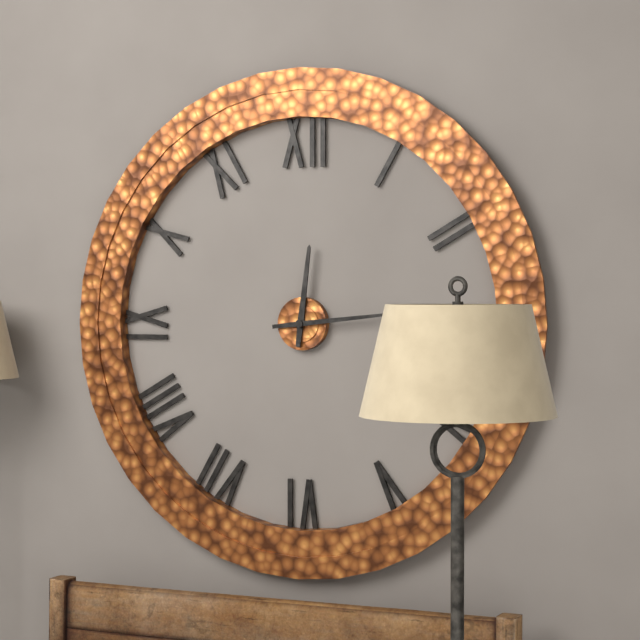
12:14
